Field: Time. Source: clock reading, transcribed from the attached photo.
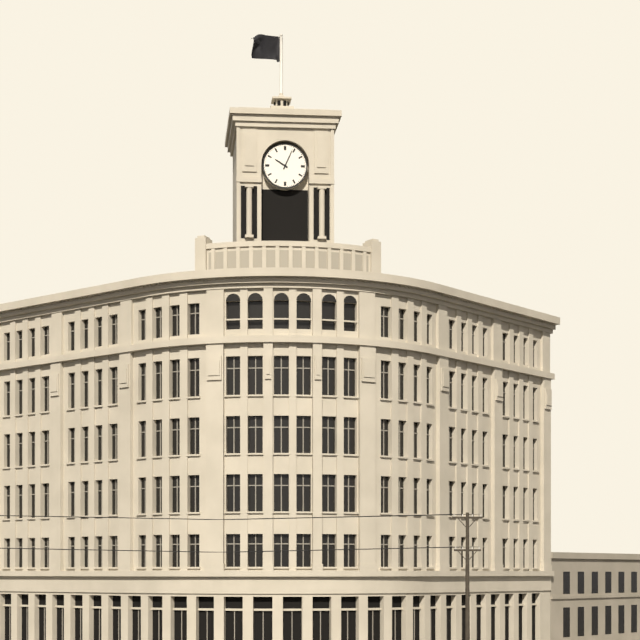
10:04
